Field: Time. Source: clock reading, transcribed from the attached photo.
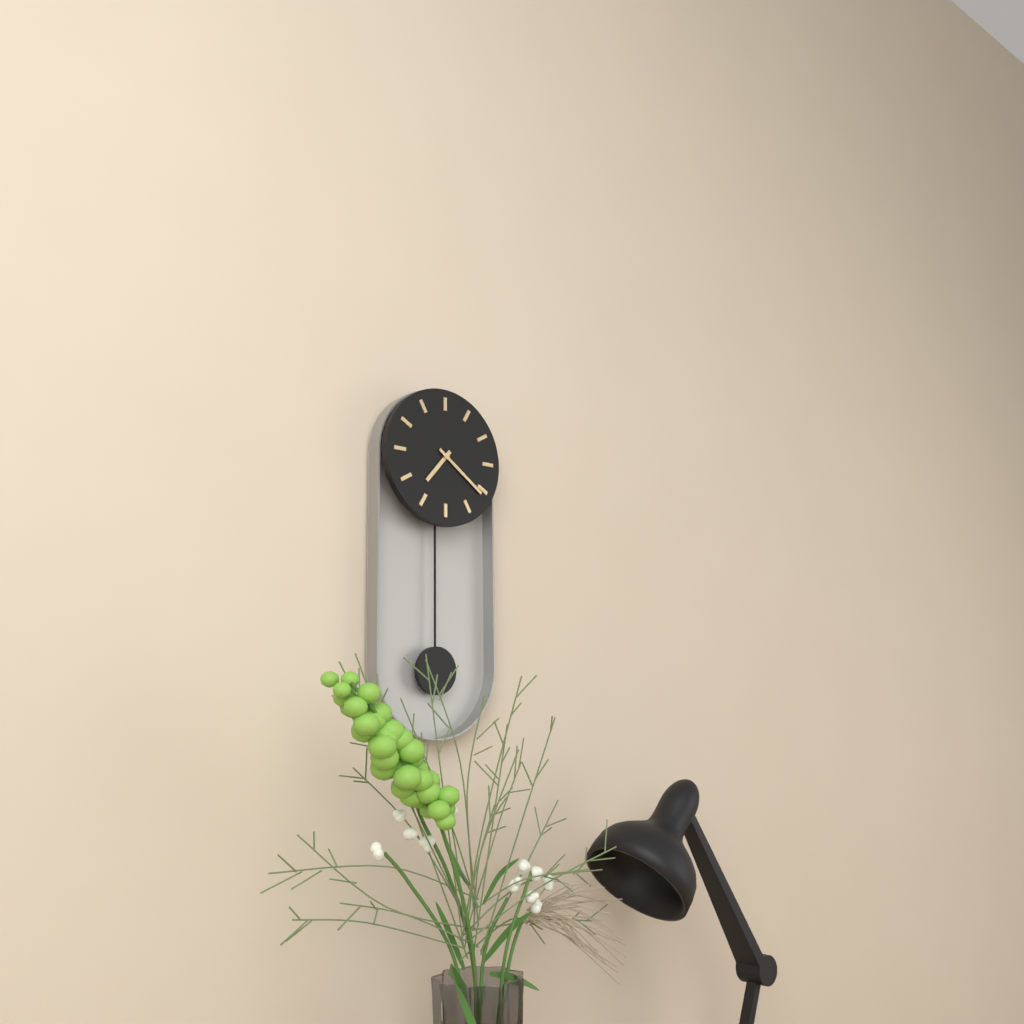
7:21
